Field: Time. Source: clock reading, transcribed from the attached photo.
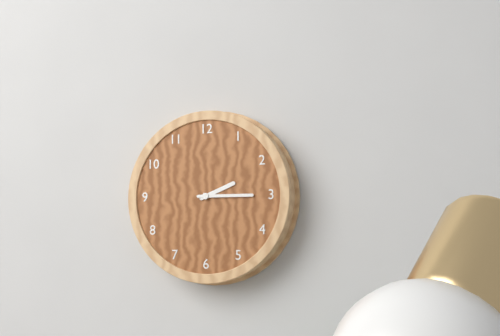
2:15
